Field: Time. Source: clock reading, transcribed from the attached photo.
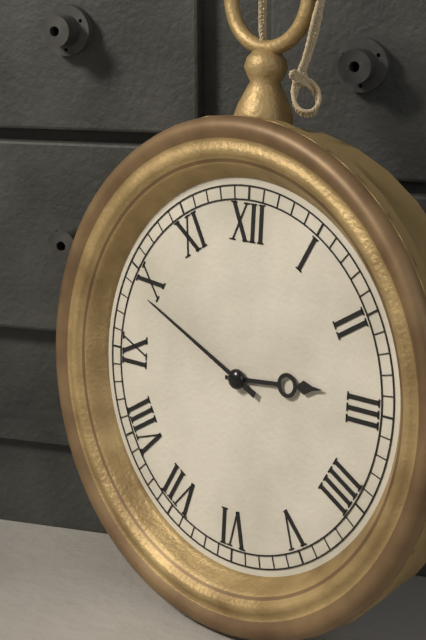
2:49
